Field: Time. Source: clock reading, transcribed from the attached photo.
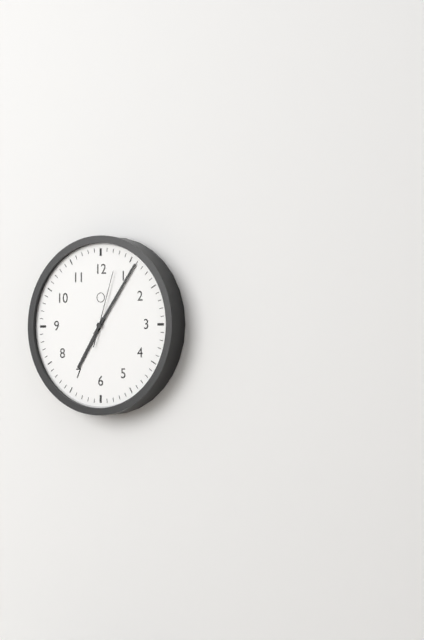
7:06:03
